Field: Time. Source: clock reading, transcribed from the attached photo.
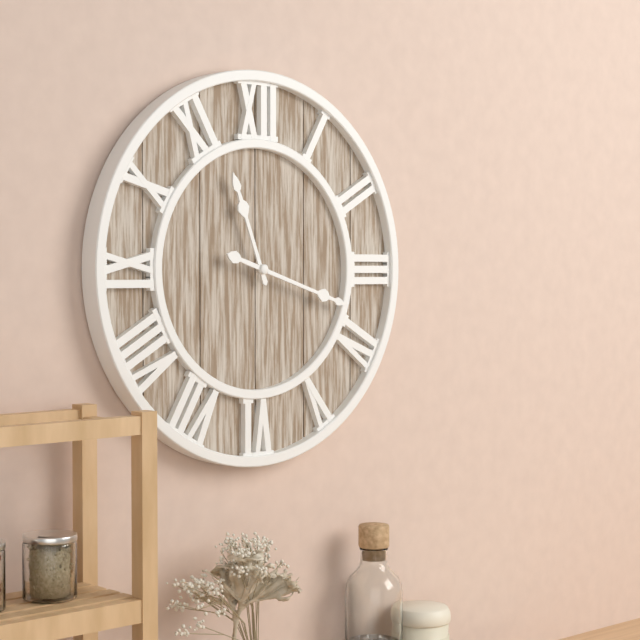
11:18
